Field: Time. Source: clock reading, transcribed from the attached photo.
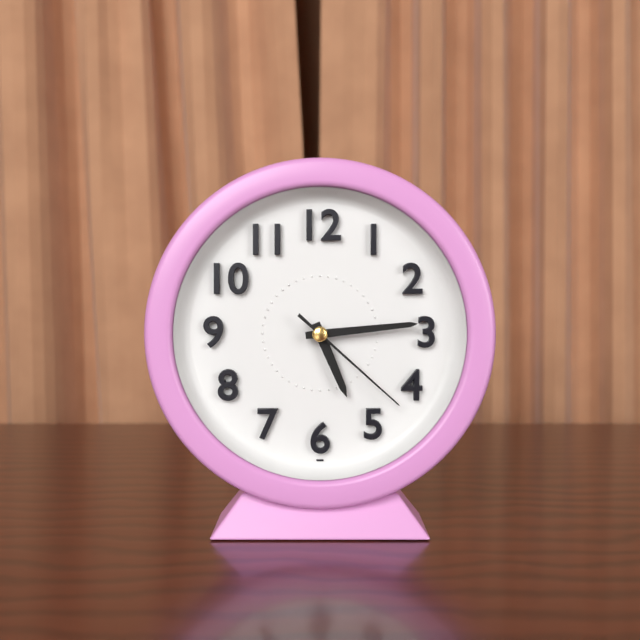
5:14:22
